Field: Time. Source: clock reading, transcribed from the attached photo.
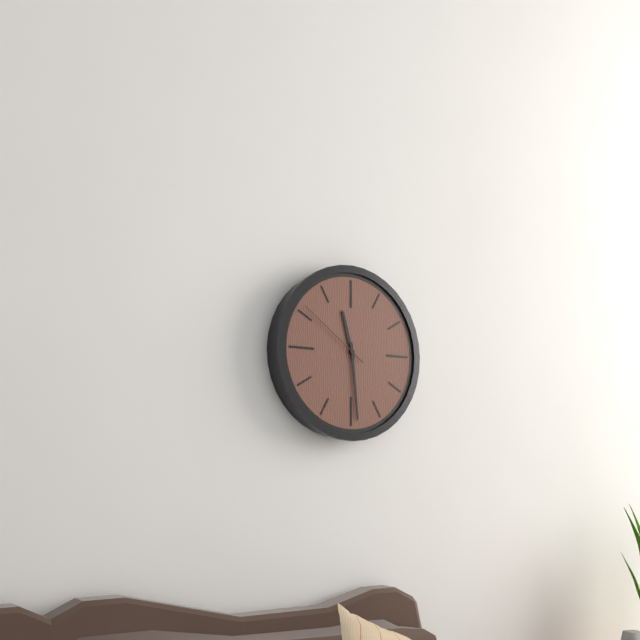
11:29:51
